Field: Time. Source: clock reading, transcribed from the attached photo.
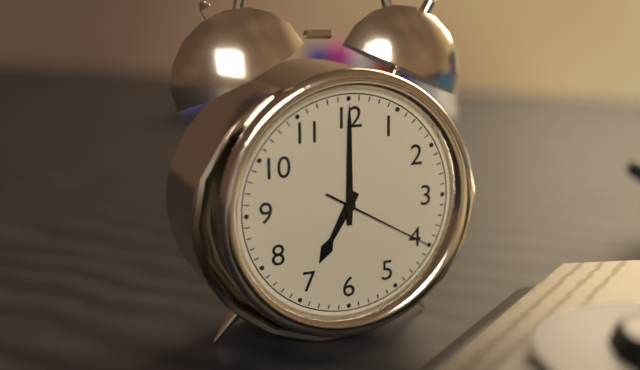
7:00:20
